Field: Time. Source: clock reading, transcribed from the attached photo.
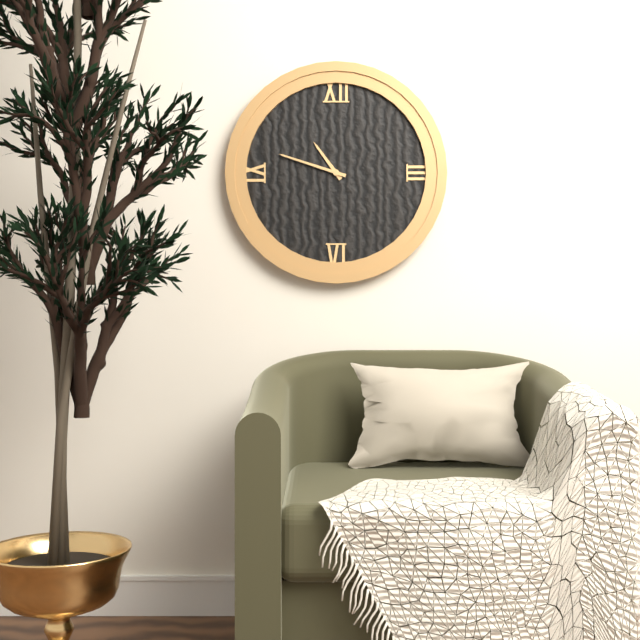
10:48
